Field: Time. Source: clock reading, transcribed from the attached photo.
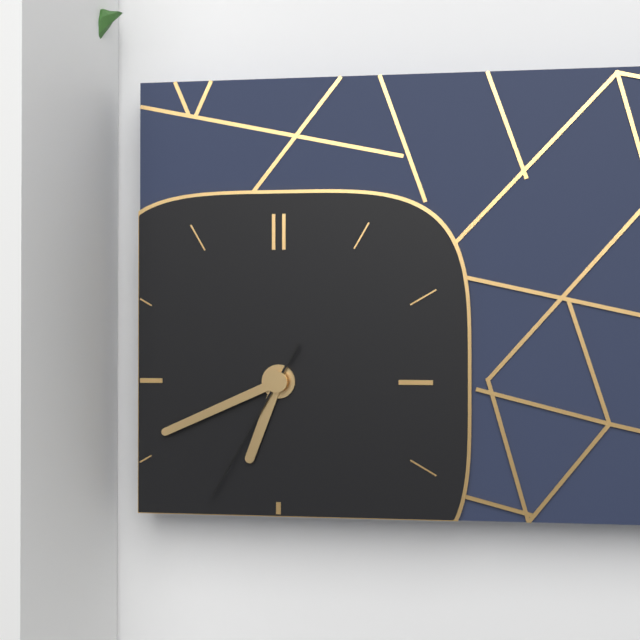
6:41:35
